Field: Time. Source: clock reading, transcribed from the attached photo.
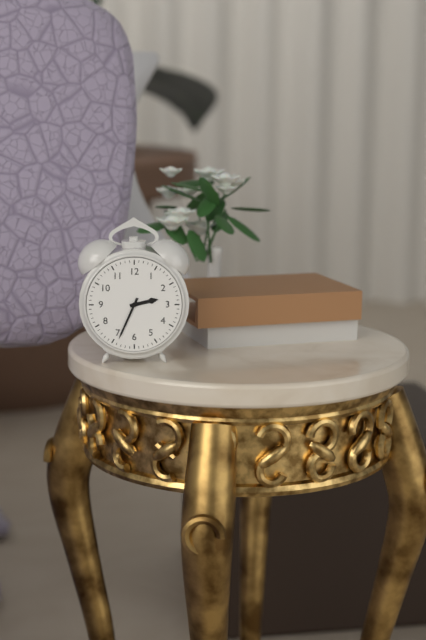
2:34
